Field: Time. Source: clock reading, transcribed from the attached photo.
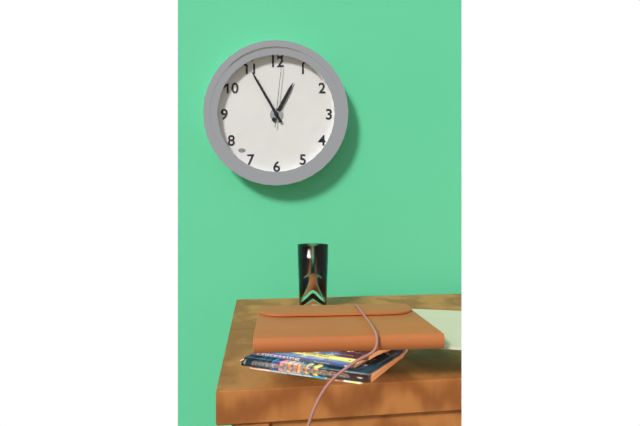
12:55:01
